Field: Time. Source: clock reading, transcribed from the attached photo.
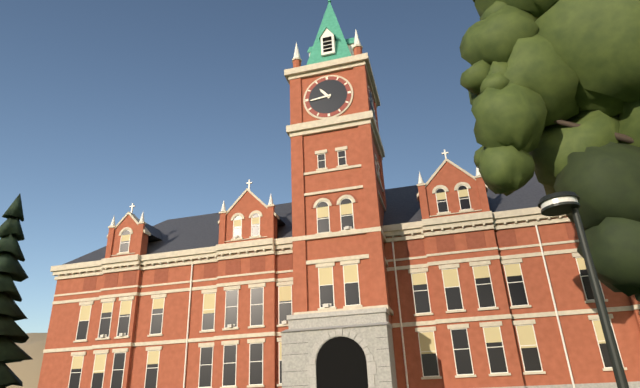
10:44
